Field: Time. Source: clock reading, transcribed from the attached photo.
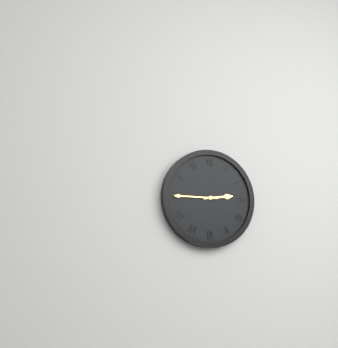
2:45
